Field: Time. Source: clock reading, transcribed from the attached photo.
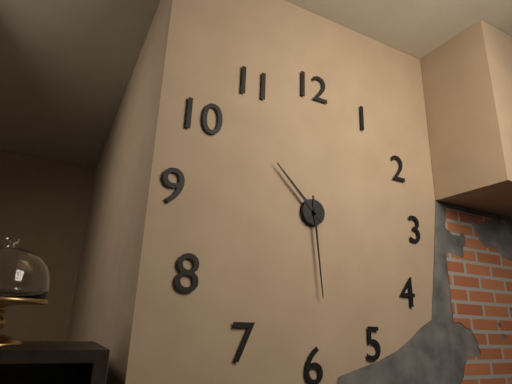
10:29
